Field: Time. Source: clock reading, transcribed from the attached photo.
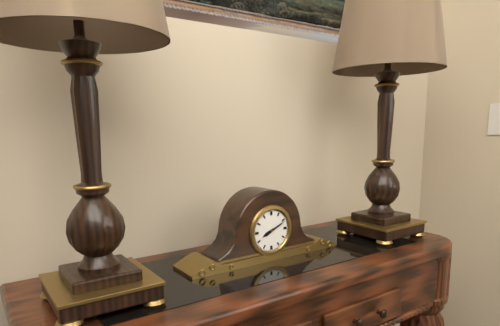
8:11
